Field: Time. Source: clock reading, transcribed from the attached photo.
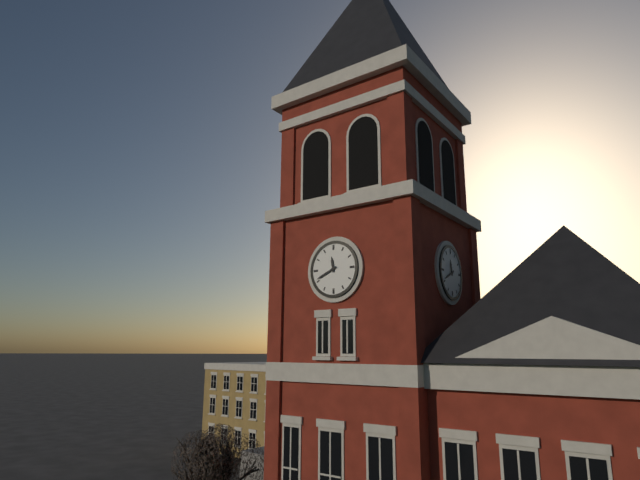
11:41
